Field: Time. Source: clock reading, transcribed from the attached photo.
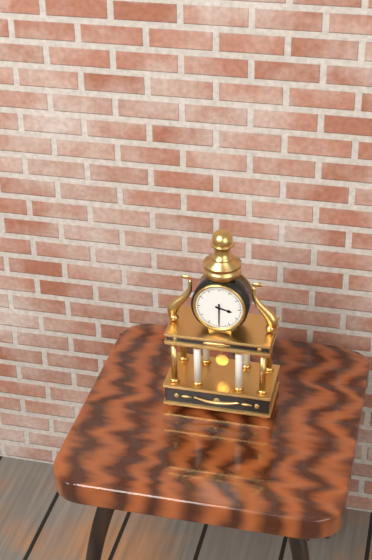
3:30
